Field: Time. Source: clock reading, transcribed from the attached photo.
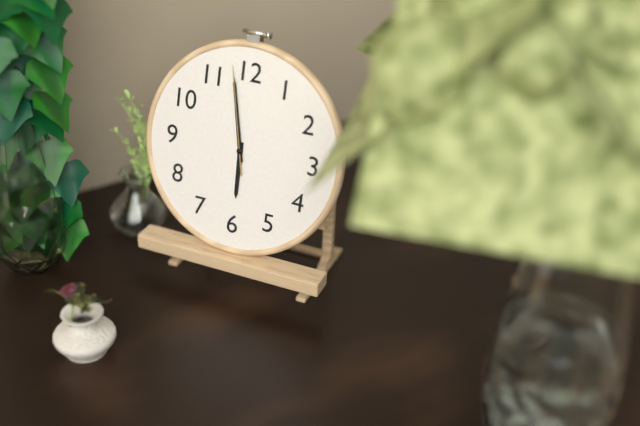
5:58:58
